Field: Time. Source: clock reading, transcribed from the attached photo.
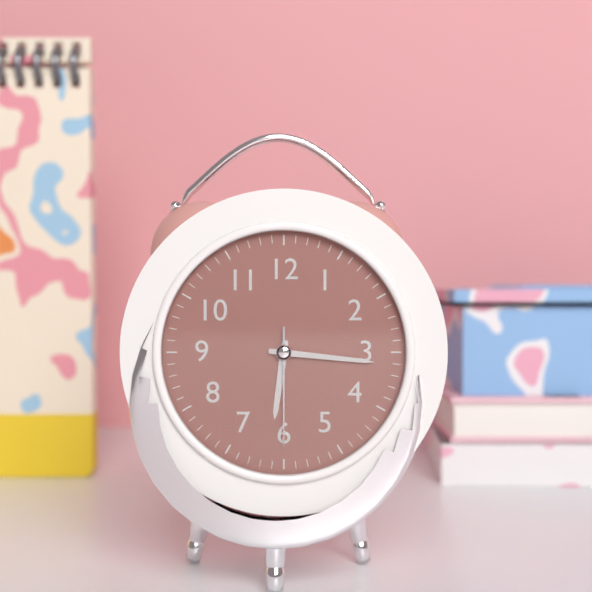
6:16:30
